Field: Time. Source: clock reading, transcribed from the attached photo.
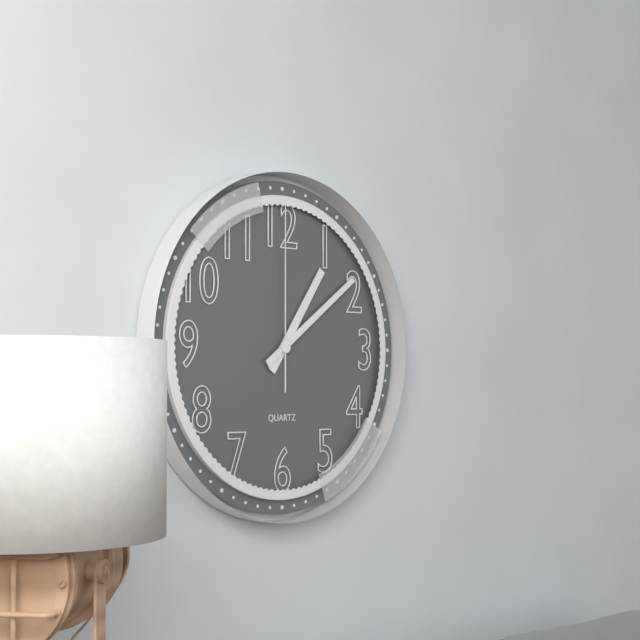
1:09:00
